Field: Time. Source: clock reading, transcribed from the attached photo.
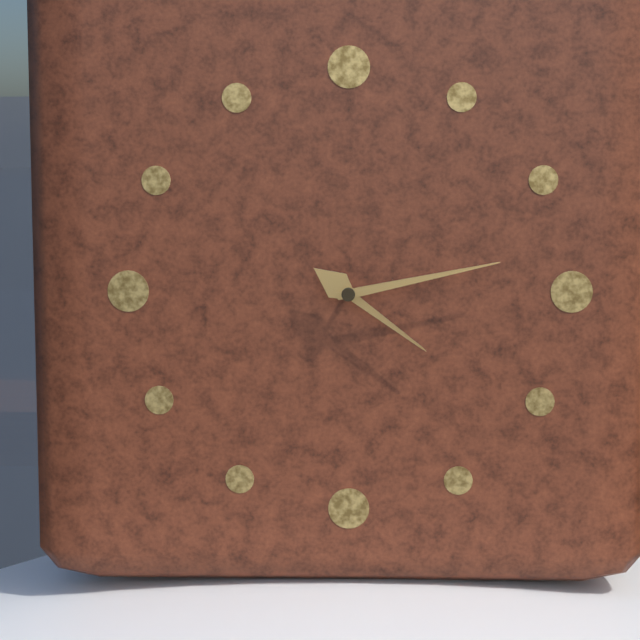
4:13
